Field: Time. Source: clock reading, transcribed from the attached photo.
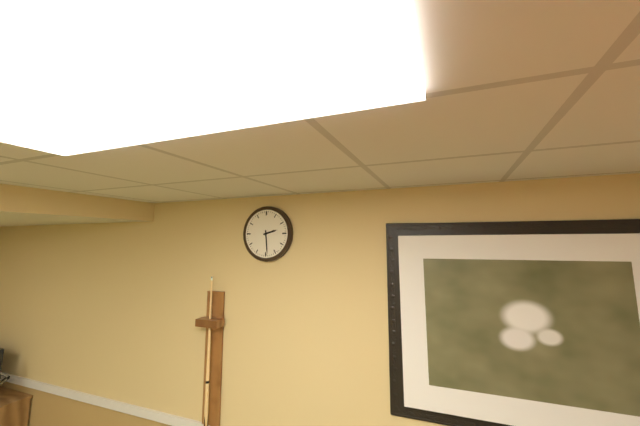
2:29
